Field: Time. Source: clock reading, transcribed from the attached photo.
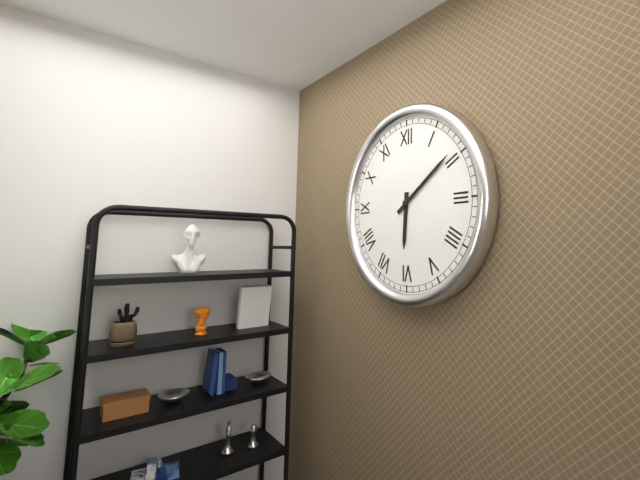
6:09
